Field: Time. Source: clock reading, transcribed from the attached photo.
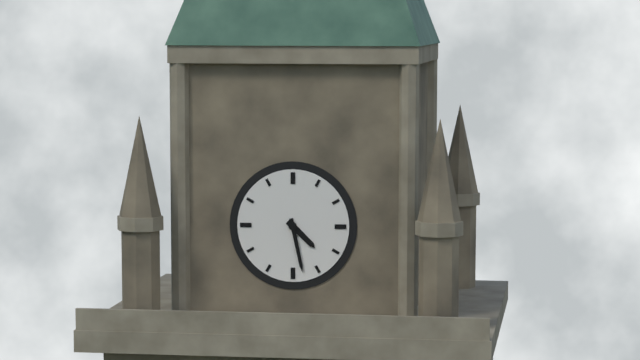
4:28
